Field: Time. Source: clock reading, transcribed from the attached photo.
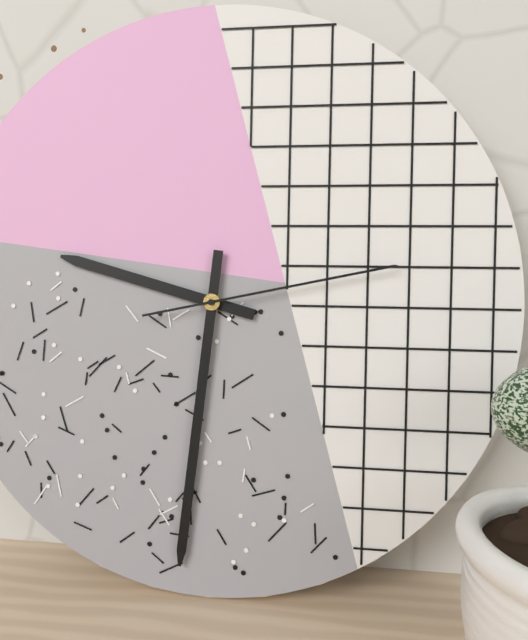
9:31:13
